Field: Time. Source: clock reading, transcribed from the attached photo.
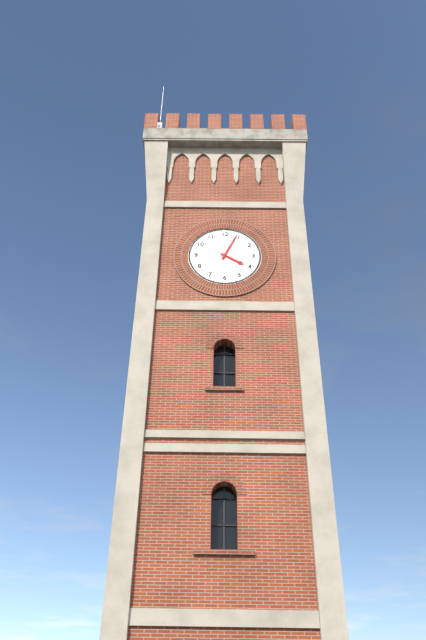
4:04
